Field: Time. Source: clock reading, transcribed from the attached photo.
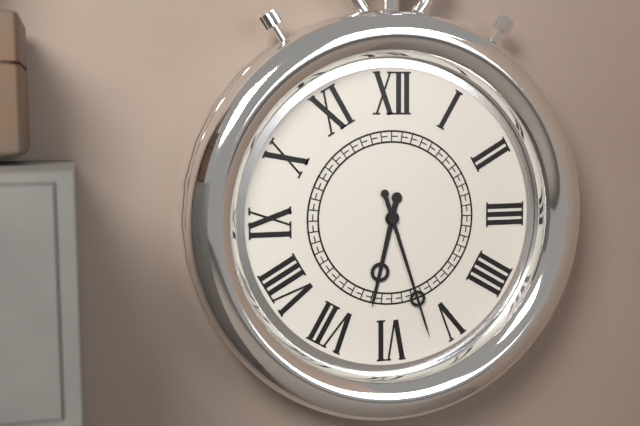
6:27
